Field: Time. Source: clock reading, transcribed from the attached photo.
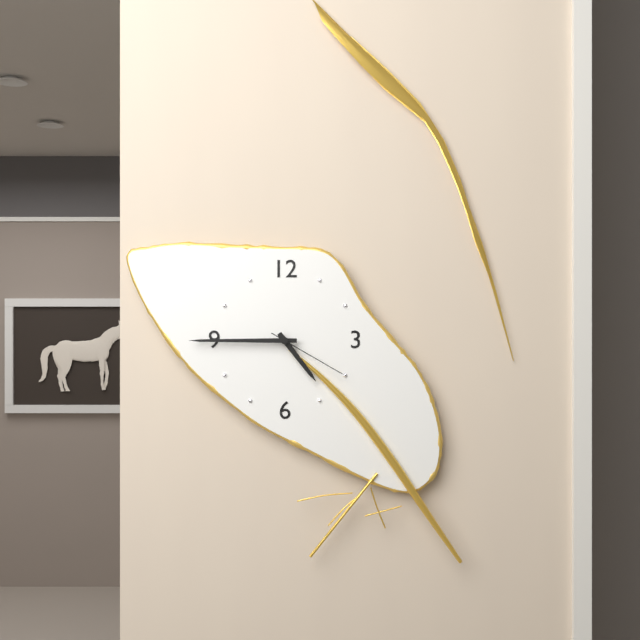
4:45:20
